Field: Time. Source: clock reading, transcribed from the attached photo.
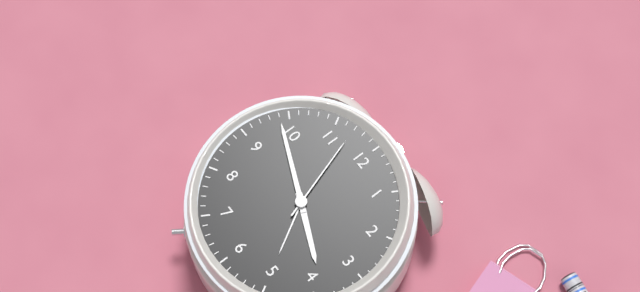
3:49:57
